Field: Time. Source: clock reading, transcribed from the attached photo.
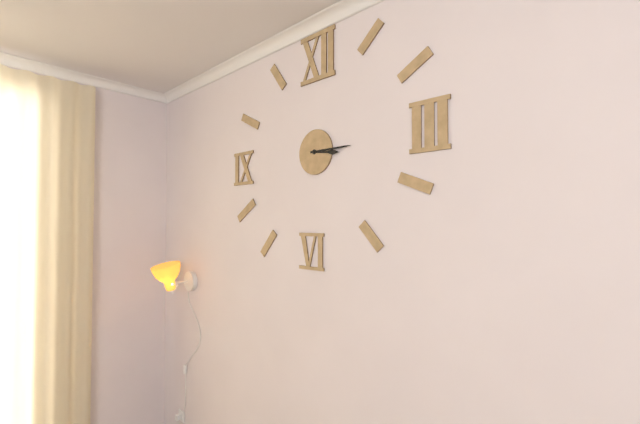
3:15
